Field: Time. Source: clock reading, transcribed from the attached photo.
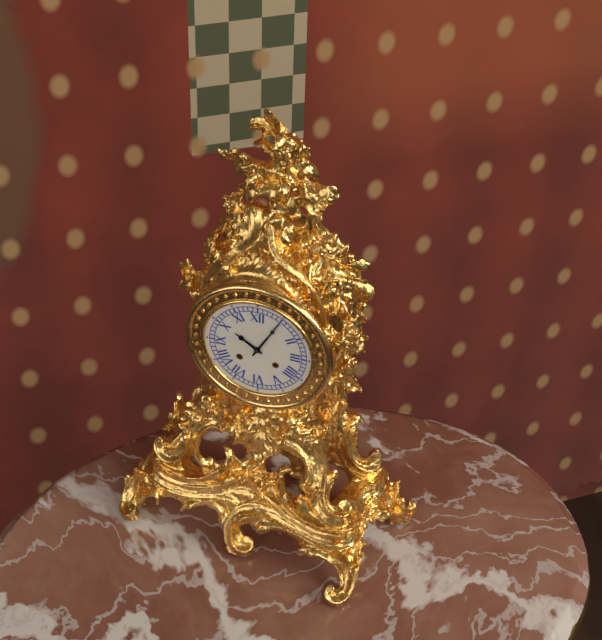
10:05
